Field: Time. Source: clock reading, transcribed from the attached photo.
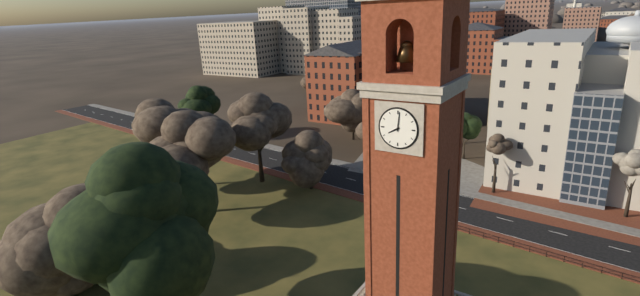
8:01
